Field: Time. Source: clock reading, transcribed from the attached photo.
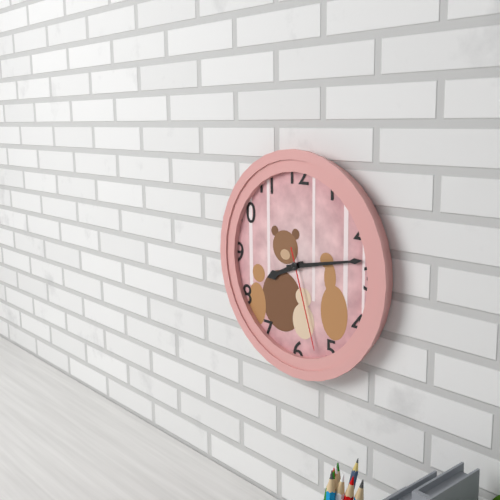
8:13:27
